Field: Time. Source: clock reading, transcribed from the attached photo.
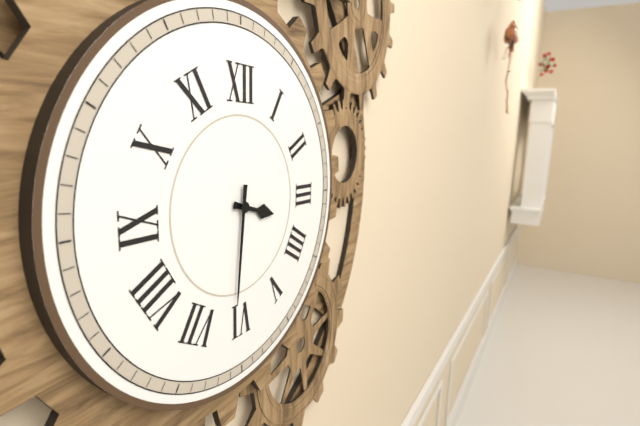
3:31
